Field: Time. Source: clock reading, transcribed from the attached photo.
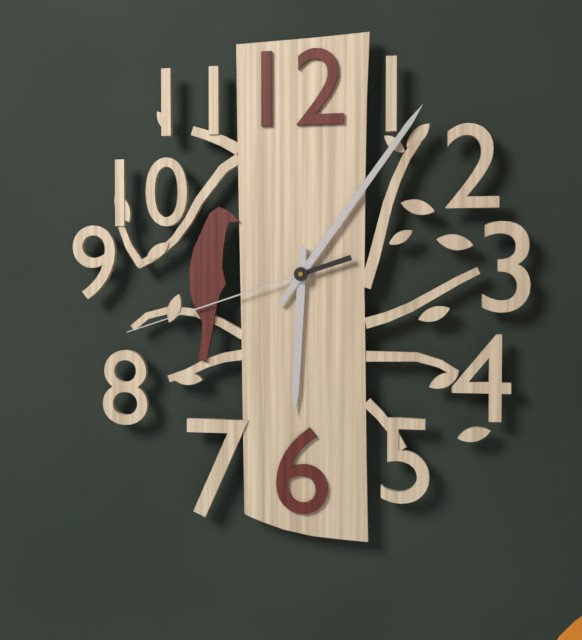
6:06:42
